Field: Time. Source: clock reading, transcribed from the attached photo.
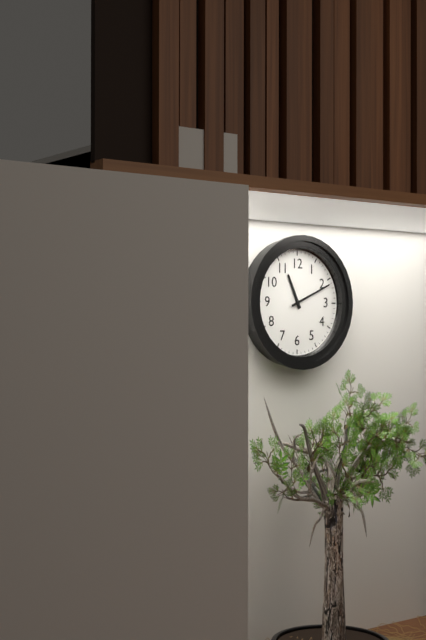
11:11
